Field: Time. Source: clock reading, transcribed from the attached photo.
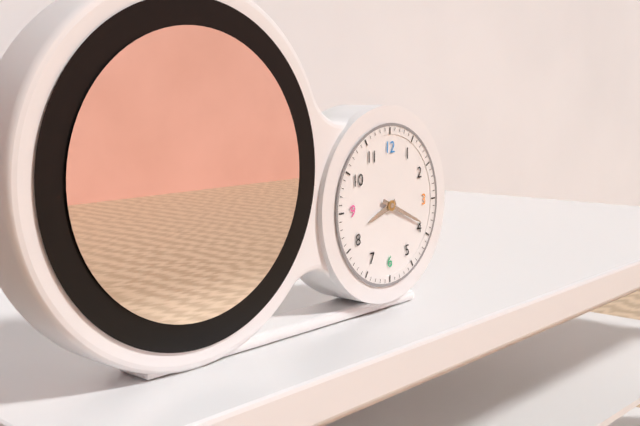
8:19
